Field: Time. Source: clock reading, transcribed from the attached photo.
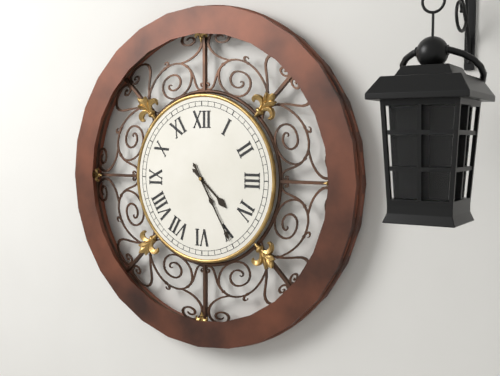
4:25
